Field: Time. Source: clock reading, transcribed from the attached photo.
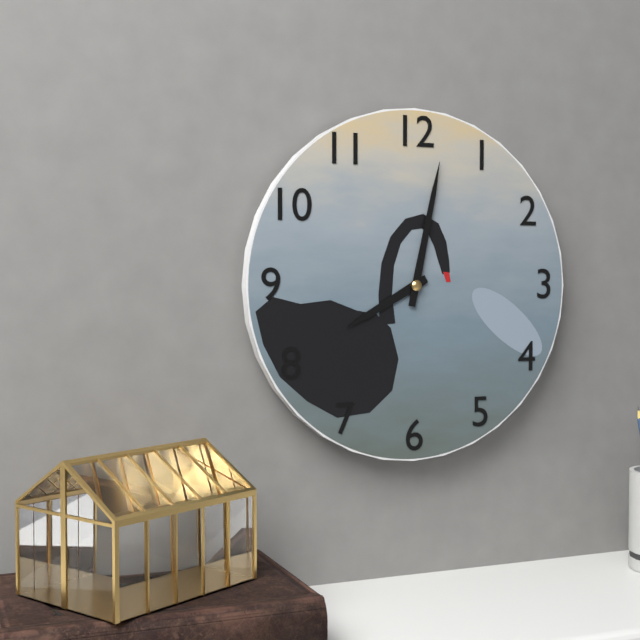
8:02
